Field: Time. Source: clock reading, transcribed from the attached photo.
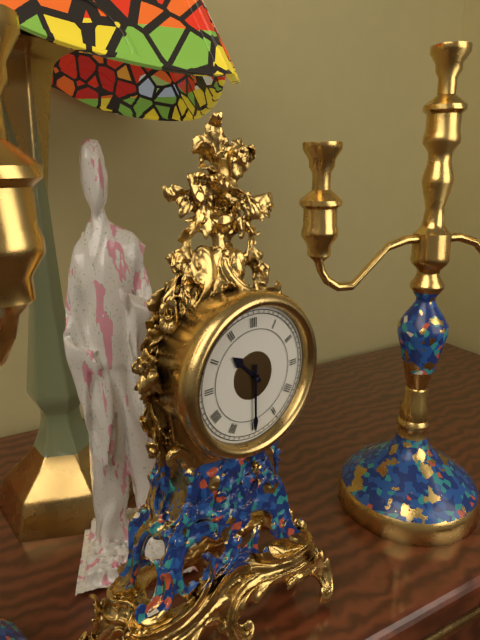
10:30
